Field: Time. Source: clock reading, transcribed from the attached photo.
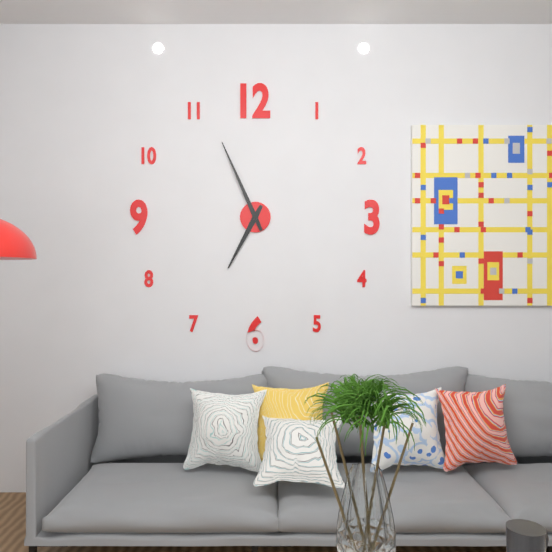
6:56
